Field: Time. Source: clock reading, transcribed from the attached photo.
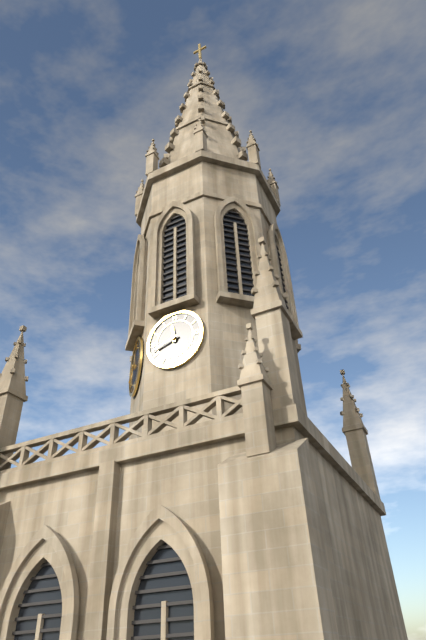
11:42
